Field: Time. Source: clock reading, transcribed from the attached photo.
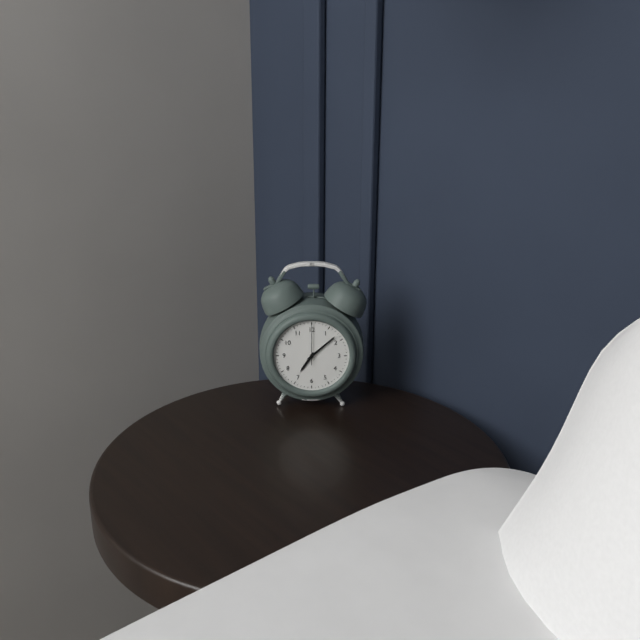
7:08
